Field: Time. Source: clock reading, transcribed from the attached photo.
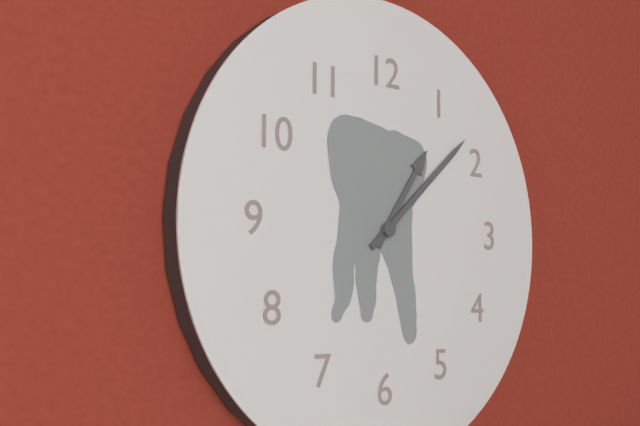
1:08
